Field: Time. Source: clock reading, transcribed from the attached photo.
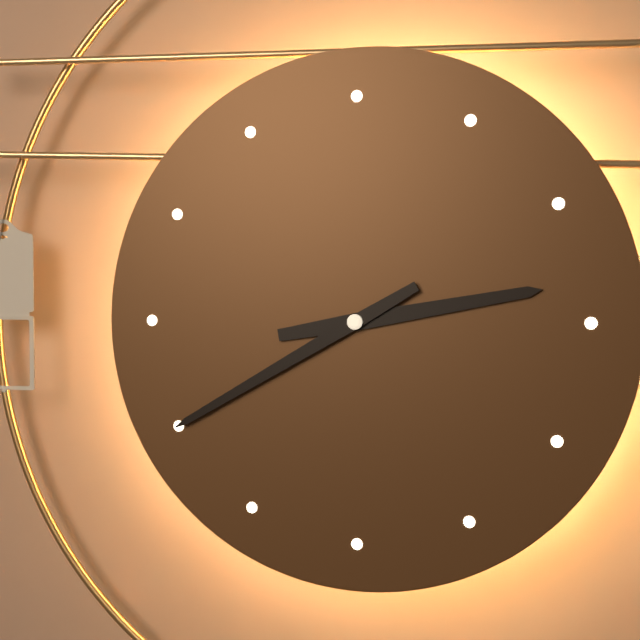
2:40
